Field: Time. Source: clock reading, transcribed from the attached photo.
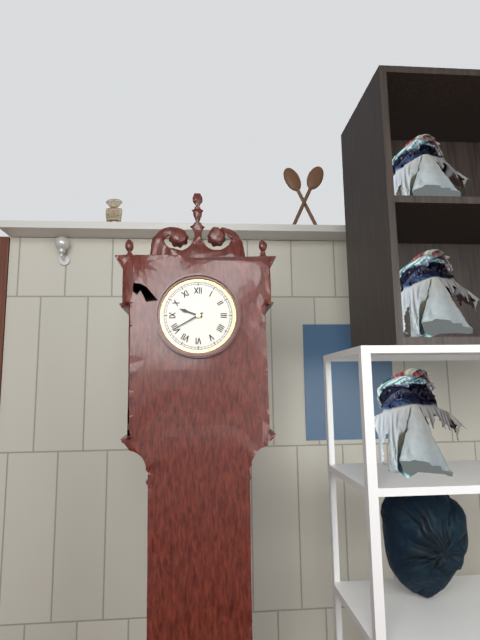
9:40
